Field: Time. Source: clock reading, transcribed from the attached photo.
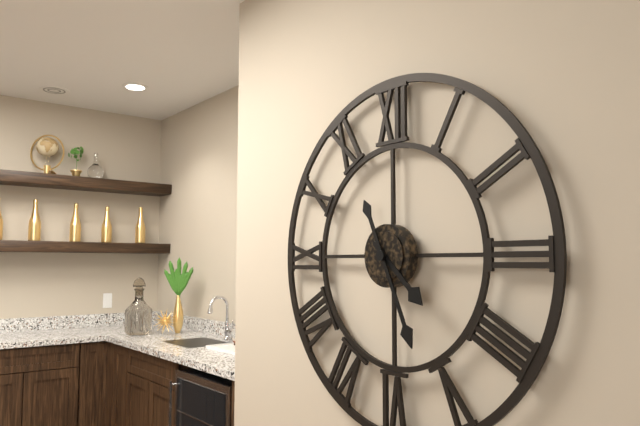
4:26
